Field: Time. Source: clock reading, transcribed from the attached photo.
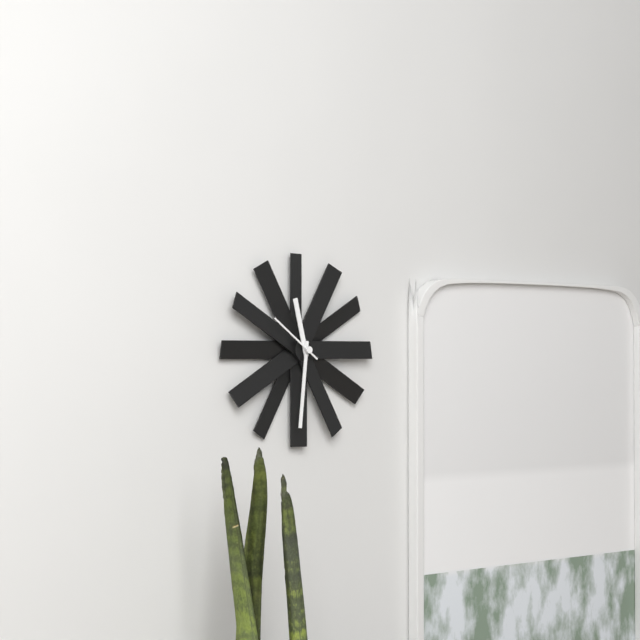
11:31:51
